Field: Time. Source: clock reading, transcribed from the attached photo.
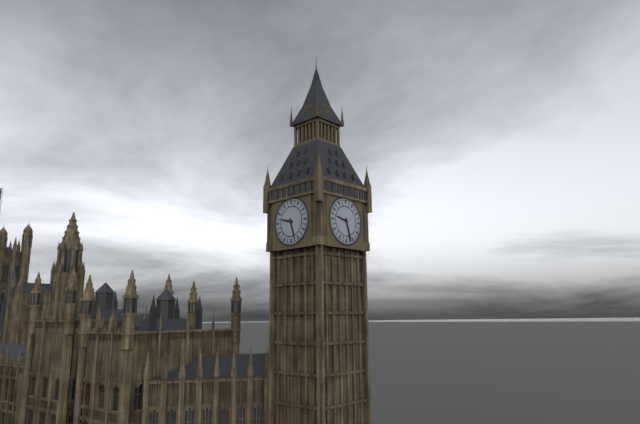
9:27
